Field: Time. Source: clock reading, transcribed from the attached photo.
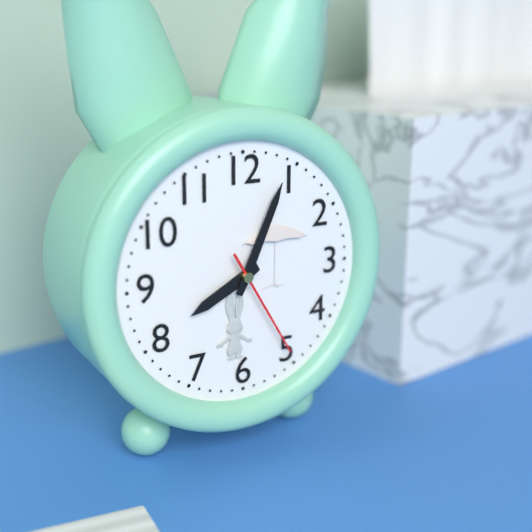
8:04:25
